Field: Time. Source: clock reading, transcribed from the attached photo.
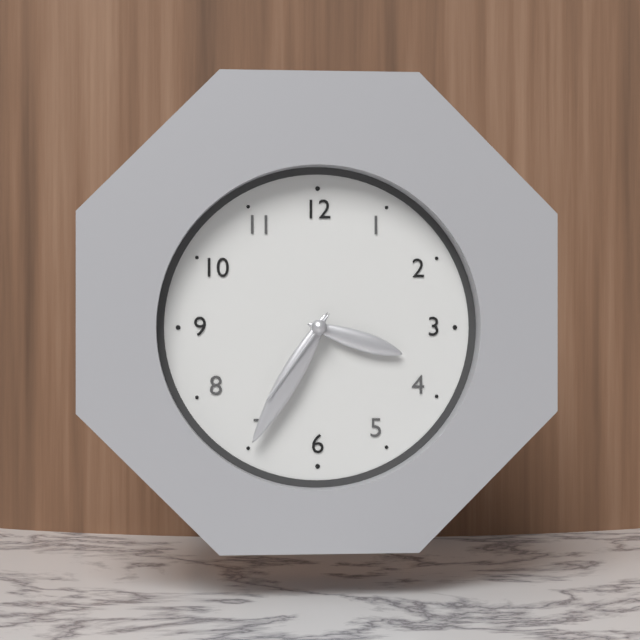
3:35:36
